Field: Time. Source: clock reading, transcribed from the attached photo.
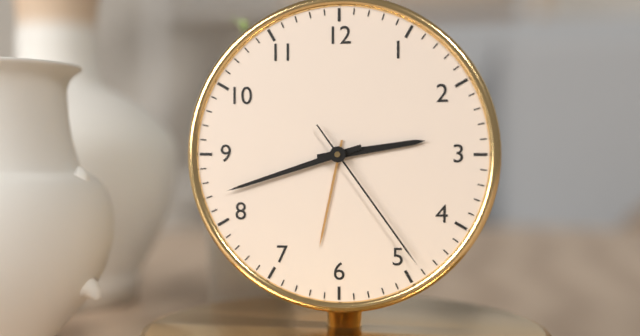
2:42:24
